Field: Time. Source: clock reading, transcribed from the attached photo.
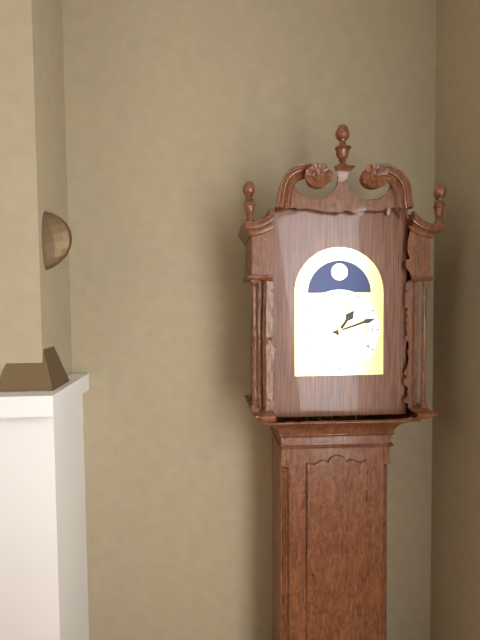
1:12
